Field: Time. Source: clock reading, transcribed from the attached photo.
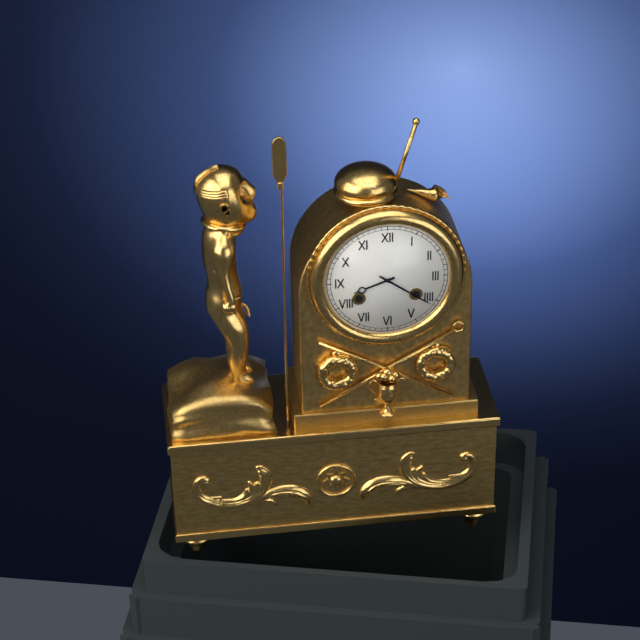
8:21
